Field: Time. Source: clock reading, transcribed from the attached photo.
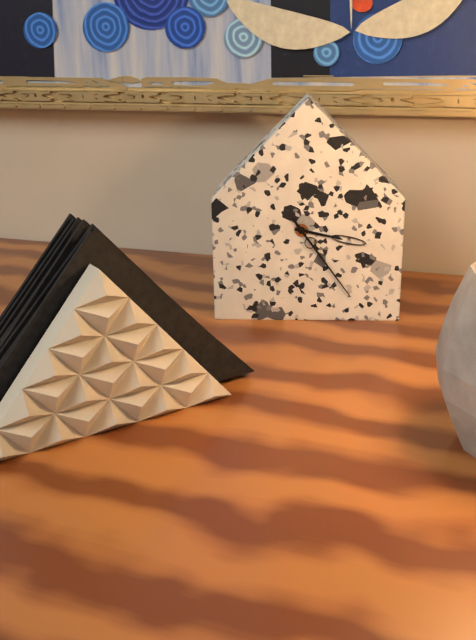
3:24
